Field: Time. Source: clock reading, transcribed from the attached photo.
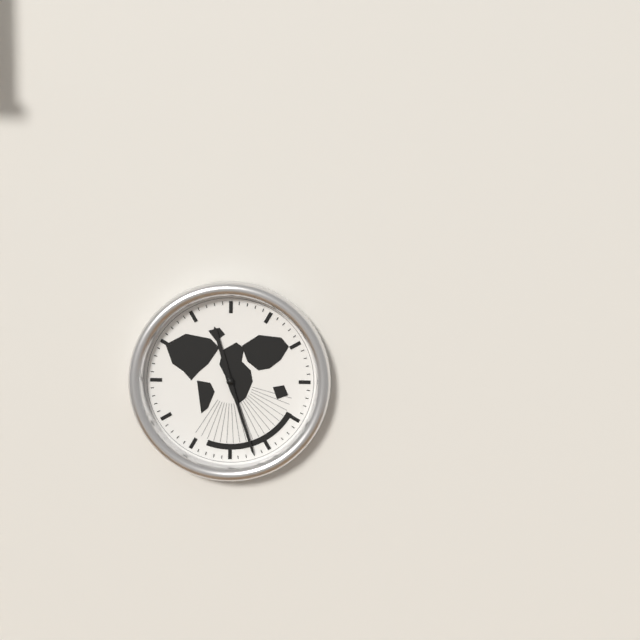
11:27
